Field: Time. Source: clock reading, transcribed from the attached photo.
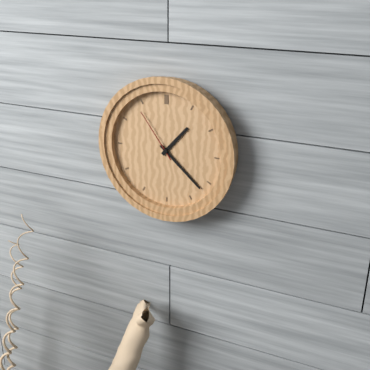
1:22:54
